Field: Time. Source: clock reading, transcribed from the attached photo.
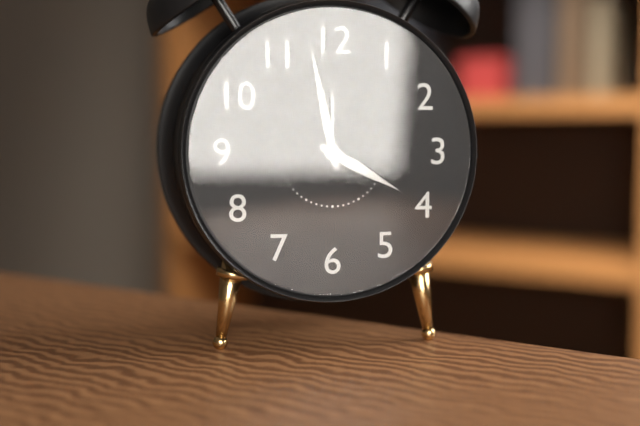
3:58
